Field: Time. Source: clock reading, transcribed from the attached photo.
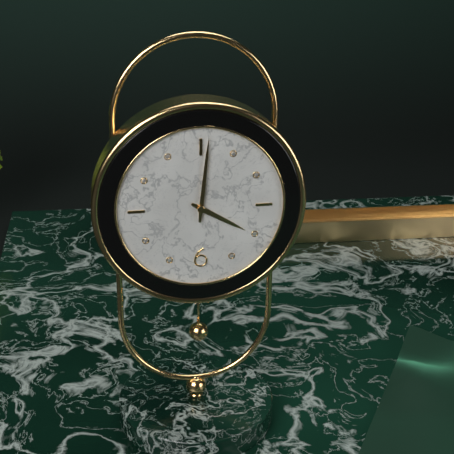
4:01
